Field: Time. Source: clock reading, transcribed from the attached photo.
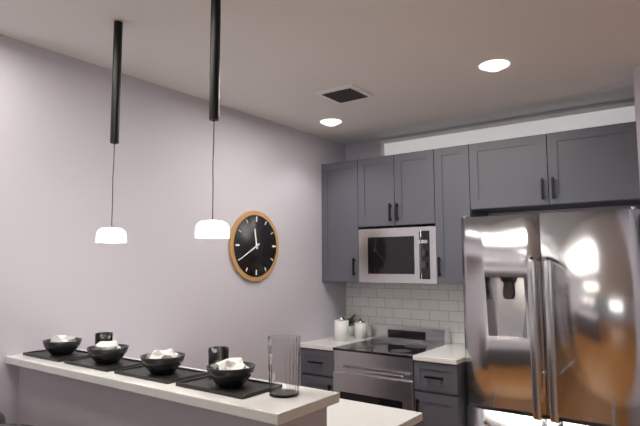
11:40
